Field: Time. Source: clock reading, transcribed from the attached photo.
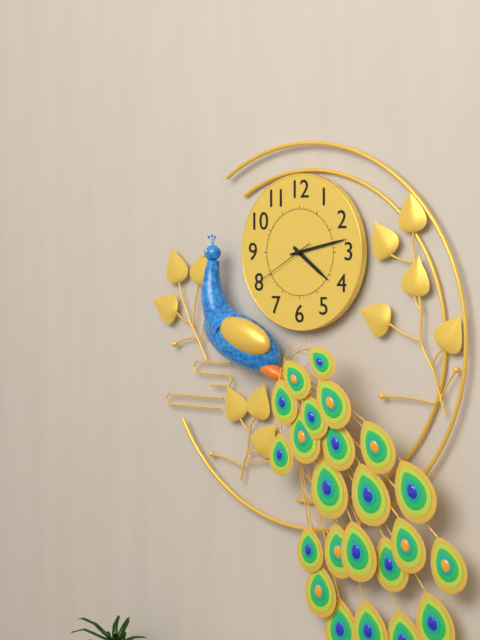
4:13:40
